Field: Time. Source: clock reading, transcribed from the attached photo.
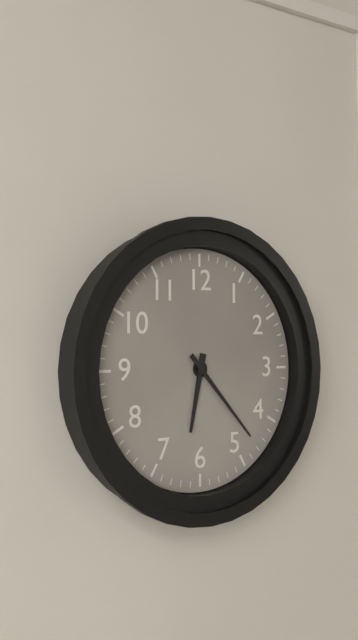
6:23
